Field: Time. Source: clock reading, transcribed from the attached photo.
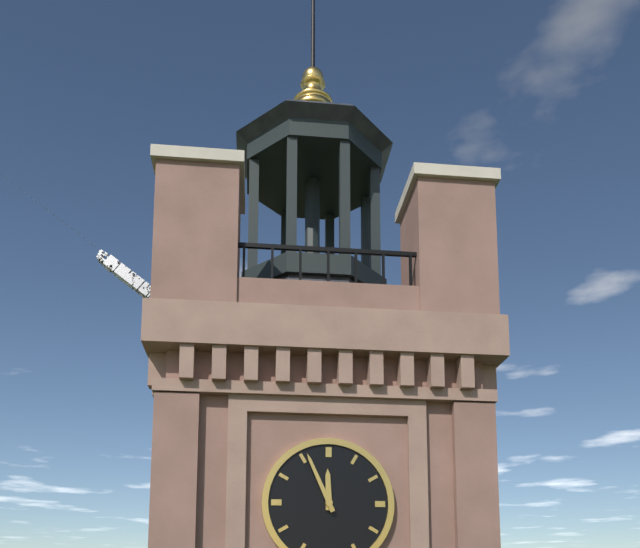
11:56
